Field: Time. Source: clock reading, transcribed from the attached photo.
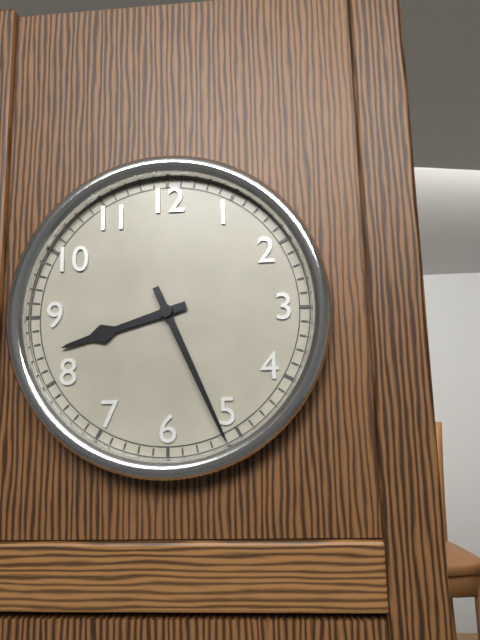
8:26
